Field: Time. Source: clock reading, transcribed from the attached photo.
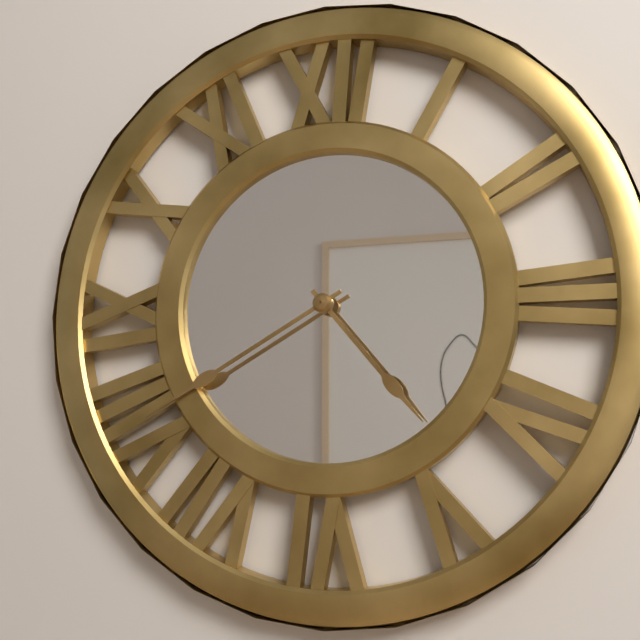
4:40
